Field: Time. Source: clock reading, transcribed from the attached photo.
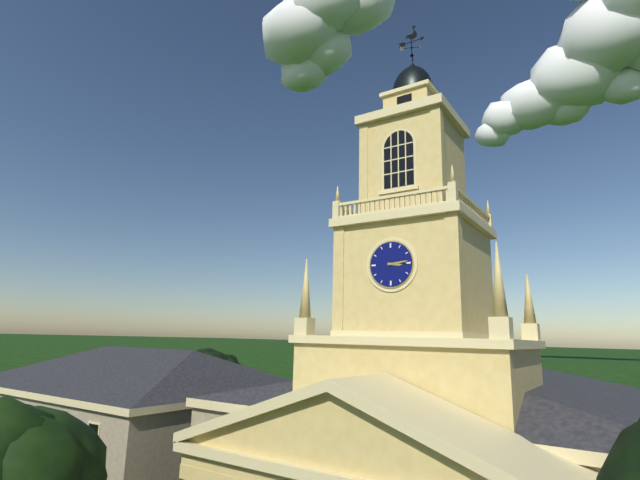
3:14
